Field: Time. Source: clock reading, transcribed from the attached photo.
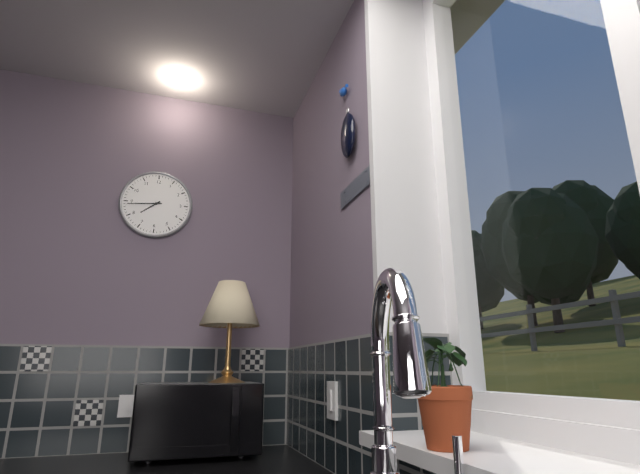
7:44
